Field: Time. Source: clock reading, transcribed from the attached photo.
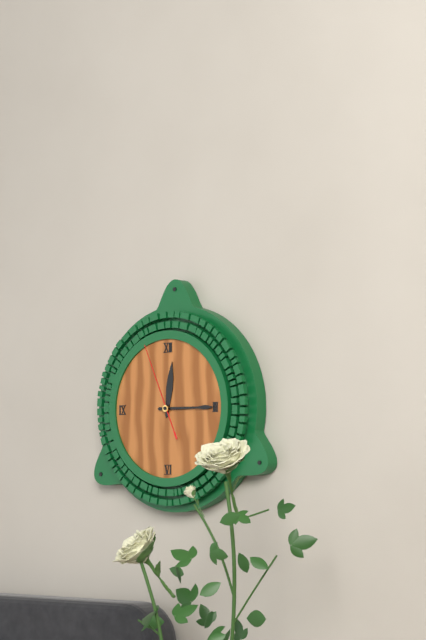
12:15:56
